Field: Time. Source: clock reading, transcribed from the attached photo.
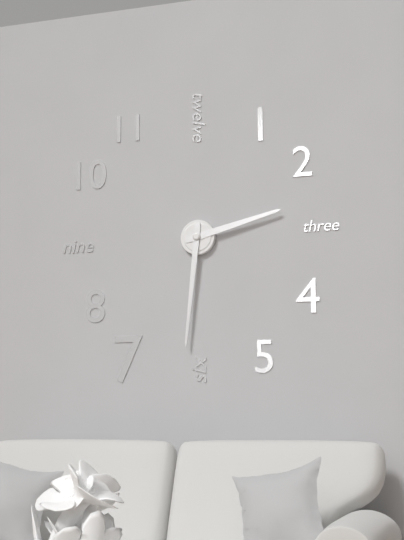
2:31
